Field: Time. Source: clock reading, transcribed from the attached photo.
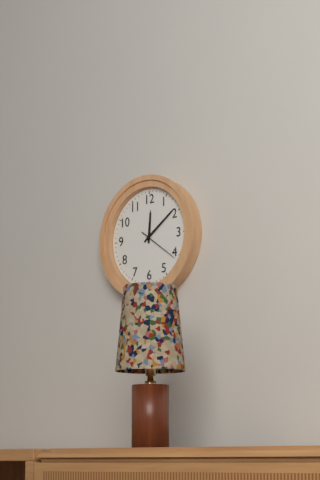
12:09
